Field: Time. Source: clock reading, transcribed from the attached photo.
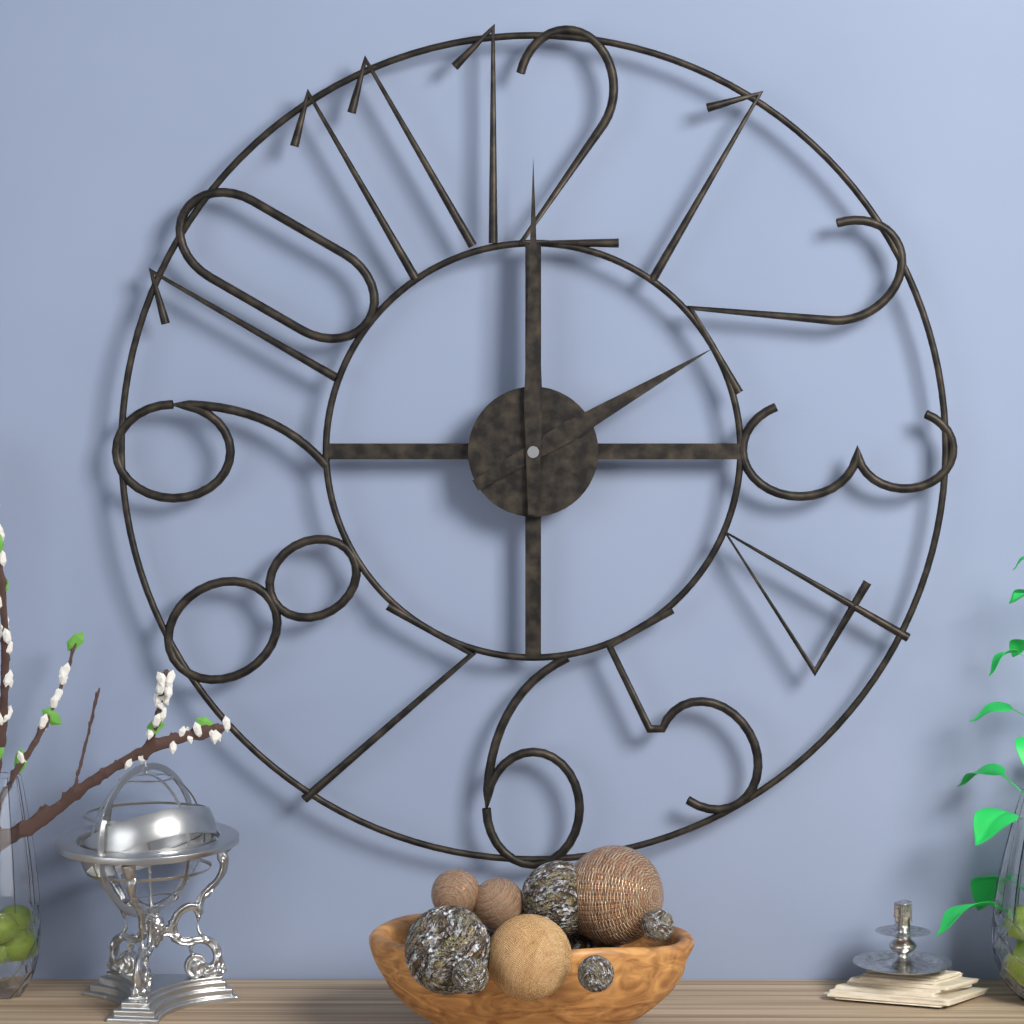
2:00
